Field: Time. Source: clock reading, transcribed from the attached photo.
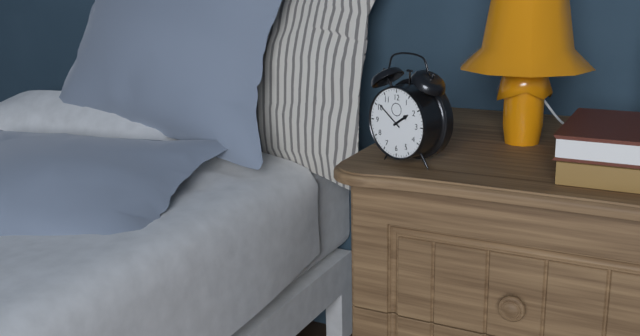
1:51
